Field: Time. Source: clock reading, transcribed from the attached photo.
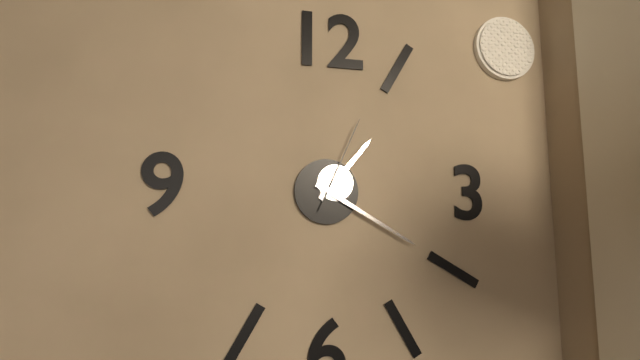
1:20:04
